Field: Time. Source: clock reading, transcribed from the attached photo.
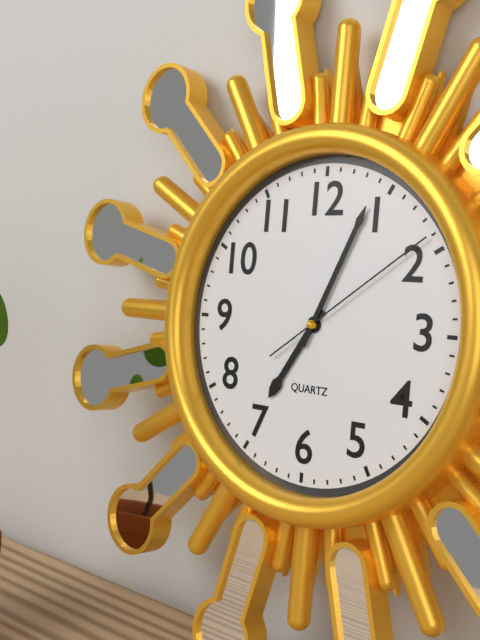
7:04:09
